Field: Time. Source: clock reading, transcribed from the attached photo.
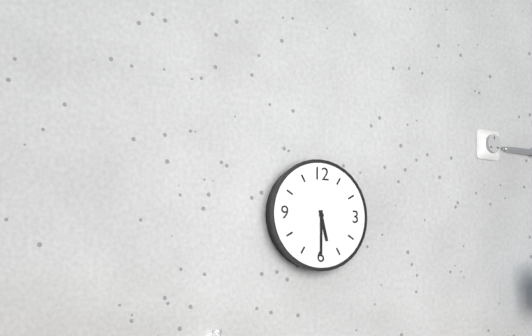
5:30
